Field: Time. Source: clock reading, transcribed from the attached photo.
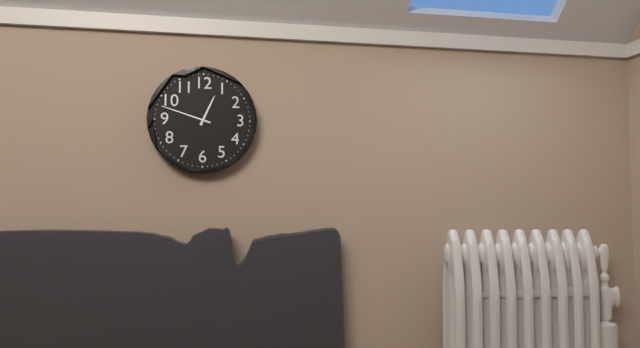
12:48
